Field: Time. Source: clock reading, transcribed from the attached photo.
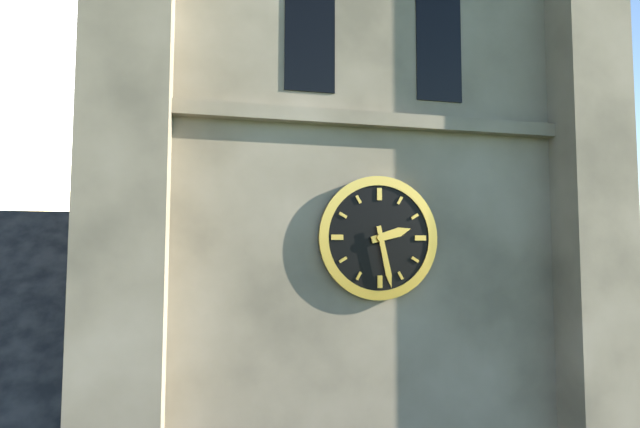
2:28
